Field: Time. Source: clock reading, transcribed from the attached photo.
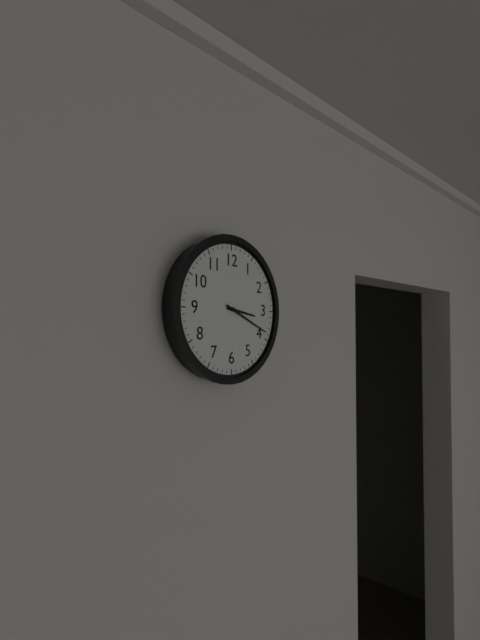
3:19
